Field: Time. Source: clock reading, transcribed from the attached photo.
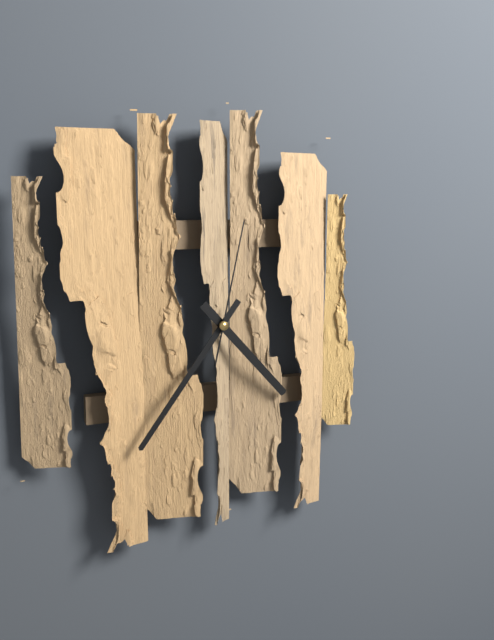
4:36:02
